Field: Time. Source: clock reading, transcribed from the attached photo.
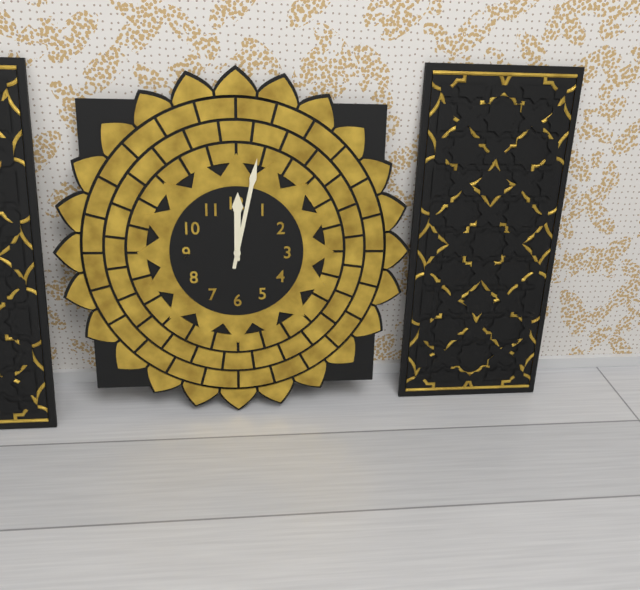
12:02
